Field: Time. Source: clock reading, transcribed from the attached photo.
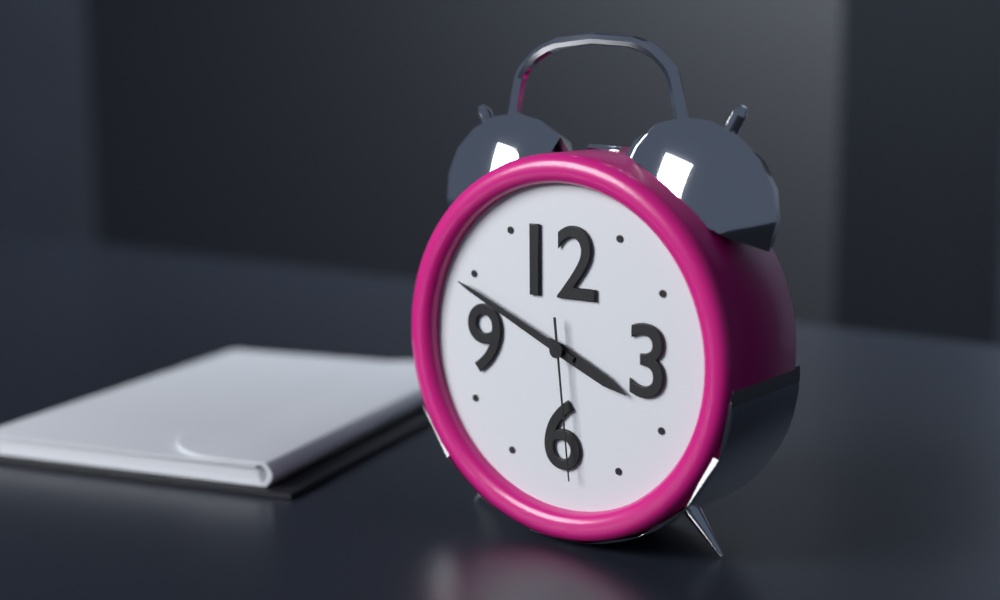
3:49:29
